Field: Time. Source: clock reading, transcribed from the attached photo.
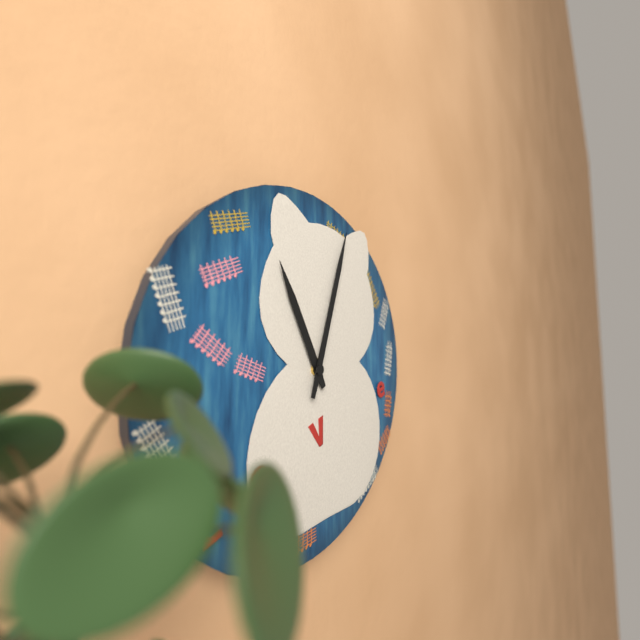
11:03
